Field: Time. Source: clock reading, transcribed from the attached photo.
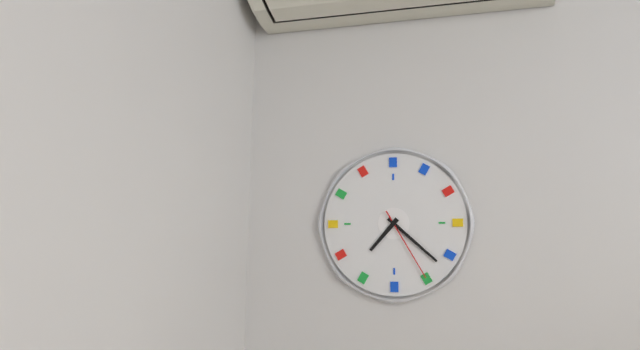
7:22:25
